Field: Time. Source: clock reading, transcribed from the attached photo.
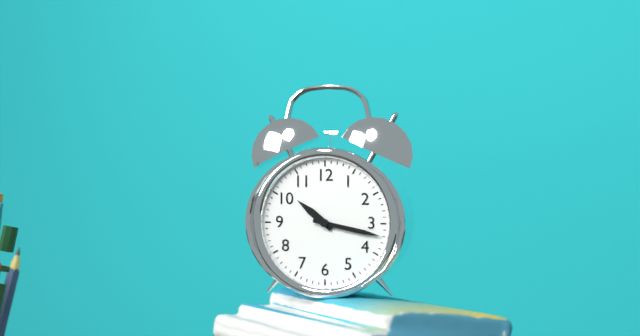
10:17
